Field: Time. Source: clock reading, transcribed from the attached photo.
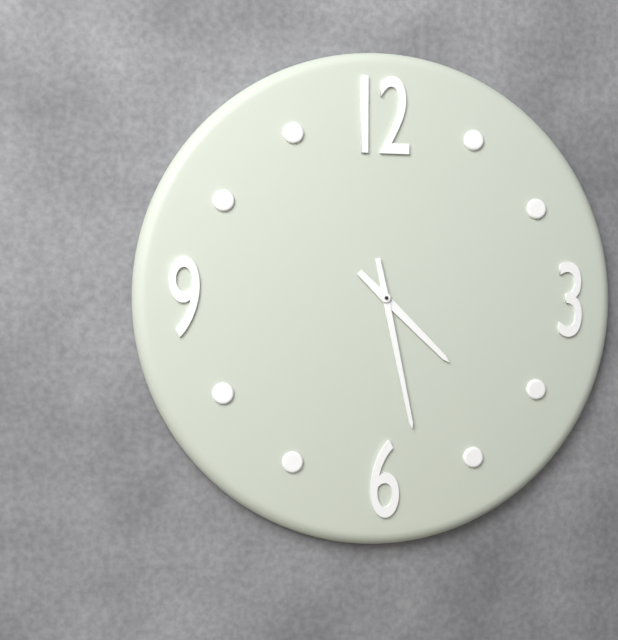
4:28
